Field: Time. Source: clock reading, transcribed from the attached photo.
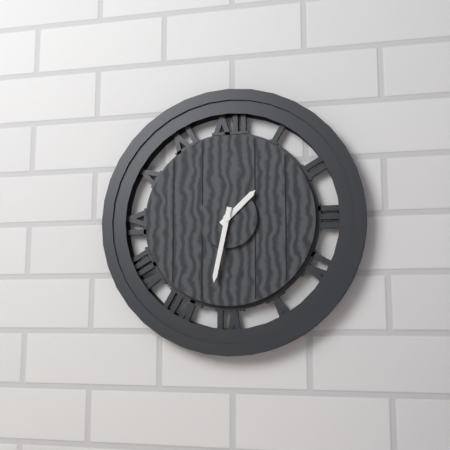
1:32
